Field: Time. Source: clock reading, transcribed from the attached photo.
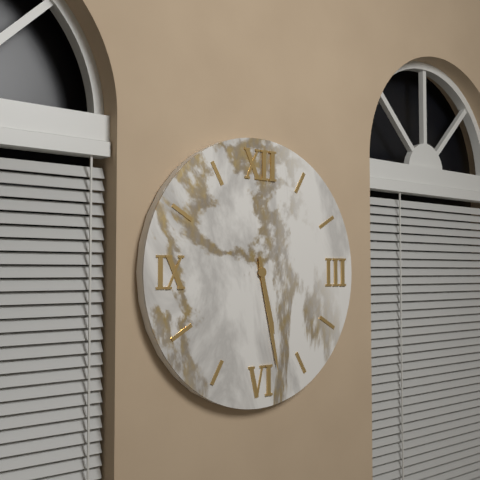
5:28
